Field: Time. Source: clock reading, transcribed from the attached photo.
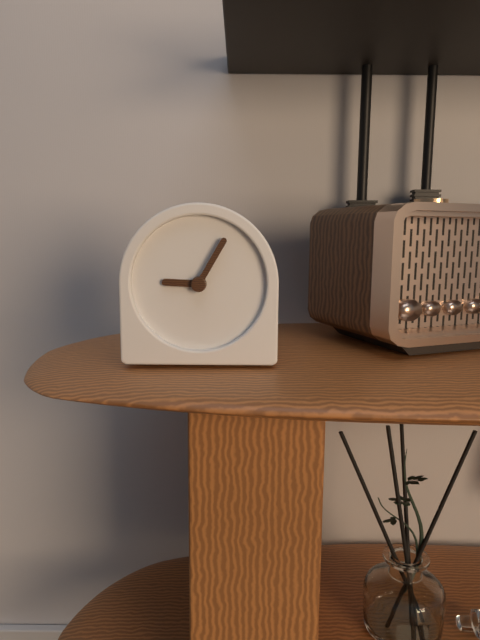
9:05
